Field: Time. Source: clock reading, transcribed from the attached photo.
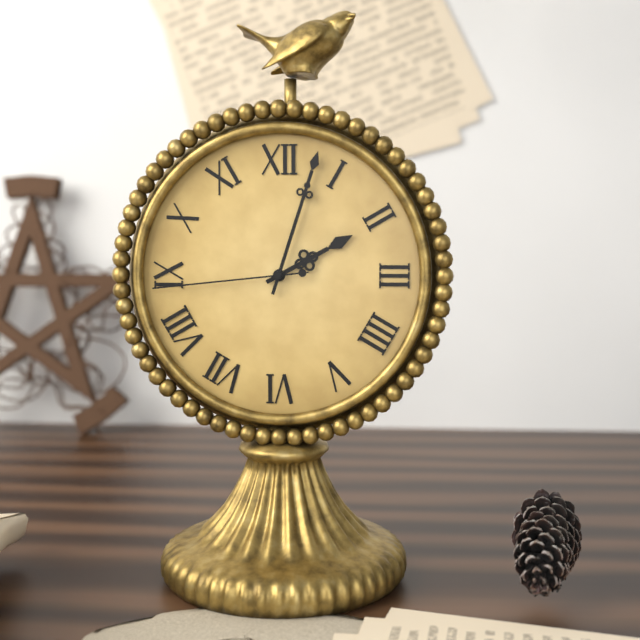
2:03:44
